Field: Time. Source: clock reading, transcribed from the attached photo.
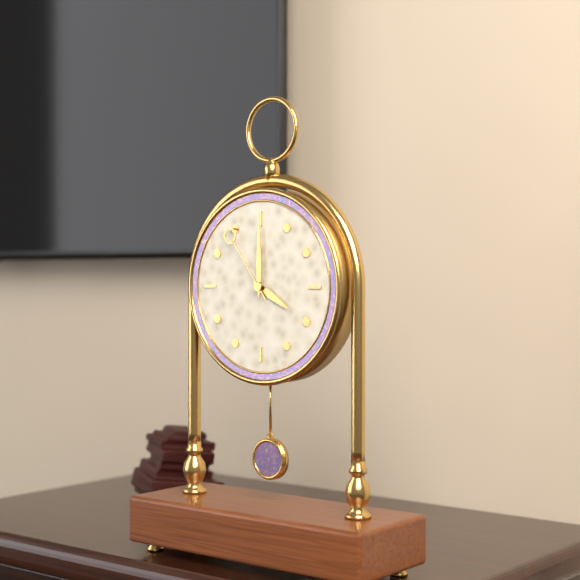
4:00:54
